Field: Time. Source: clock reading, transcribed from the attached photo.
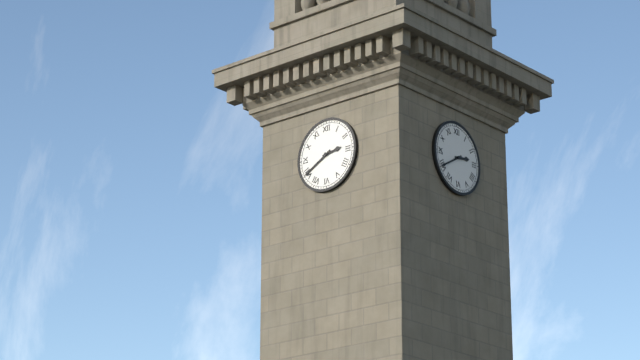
2:40
